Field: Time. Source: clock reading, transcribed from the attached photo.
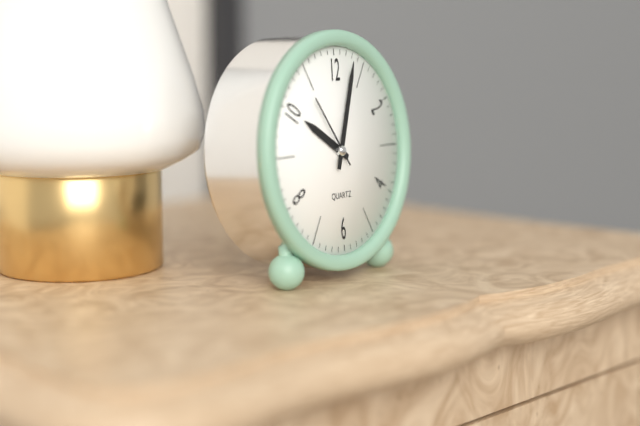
10:03:54
